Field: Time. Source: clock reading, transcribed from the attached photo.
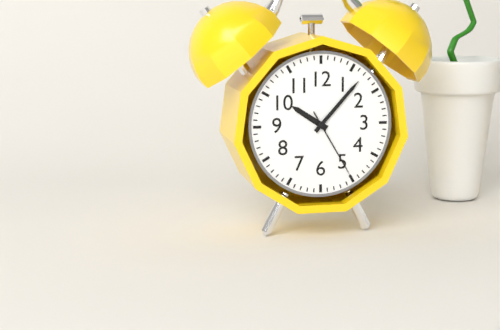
10:07:25
